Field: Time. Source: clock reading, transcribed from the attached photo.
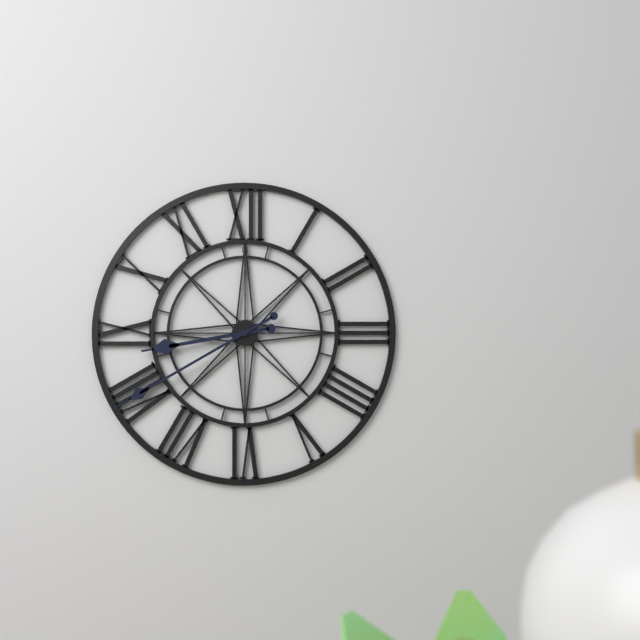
8:40
